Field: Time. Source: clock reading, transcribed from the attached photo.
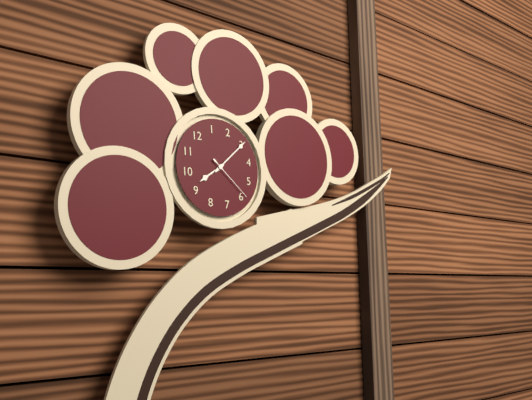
9:15:29
